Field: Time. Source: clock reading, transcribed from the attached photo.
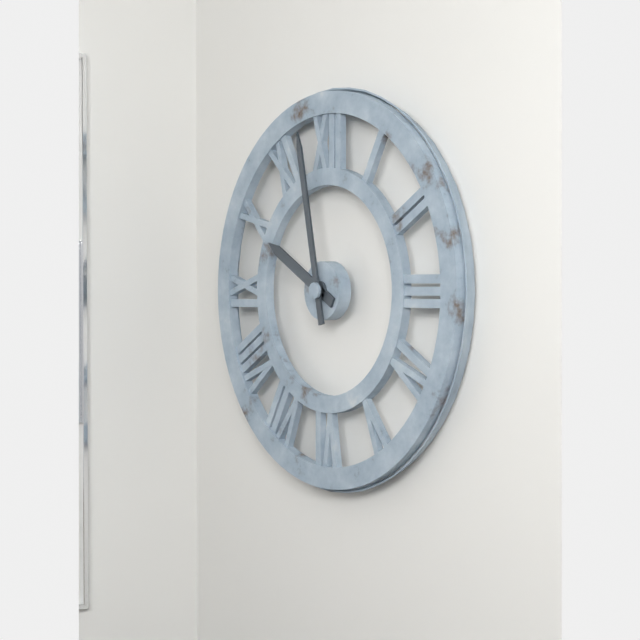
9:58
